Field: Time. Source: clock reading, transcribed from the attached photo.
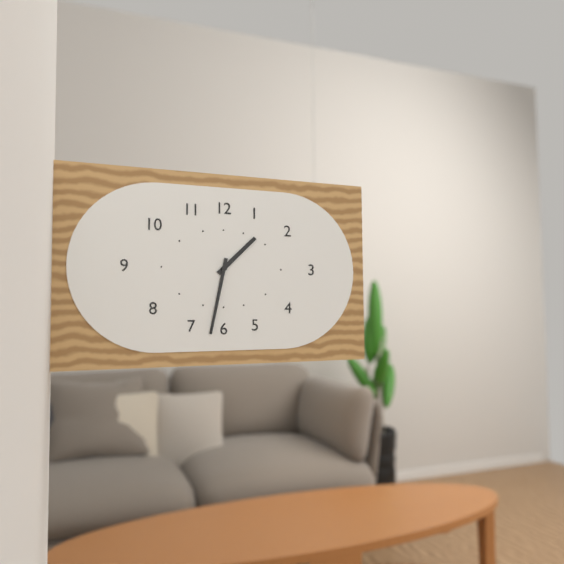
1:32
